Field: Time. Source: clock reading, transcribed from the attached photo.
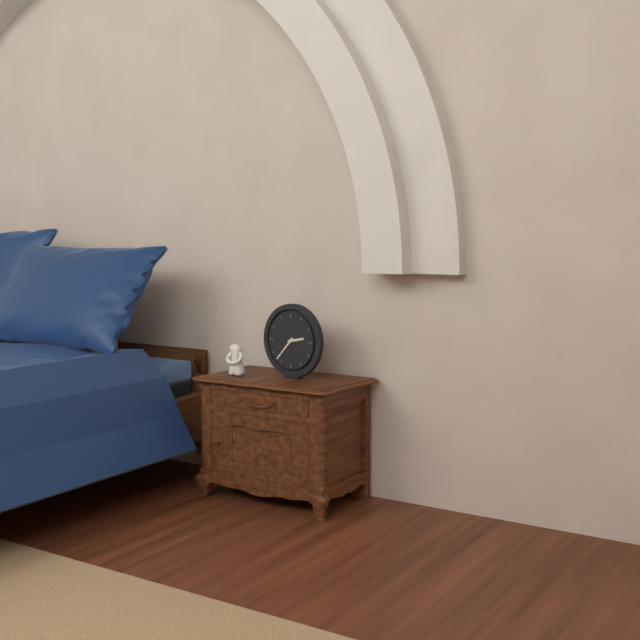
2:37
